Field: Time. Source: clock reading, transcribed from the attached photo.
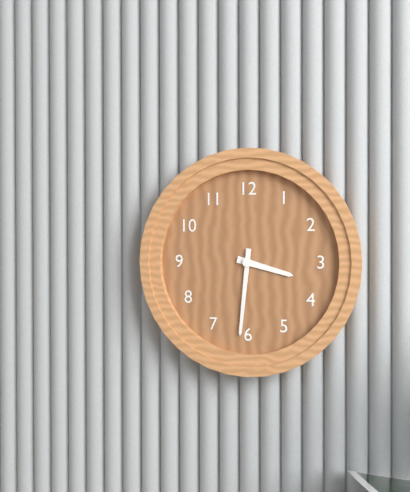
3:31
